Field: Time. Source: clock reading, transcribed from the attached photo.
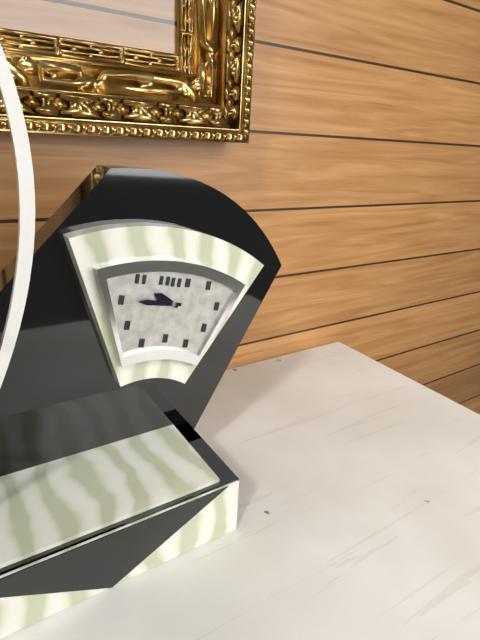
9:45
